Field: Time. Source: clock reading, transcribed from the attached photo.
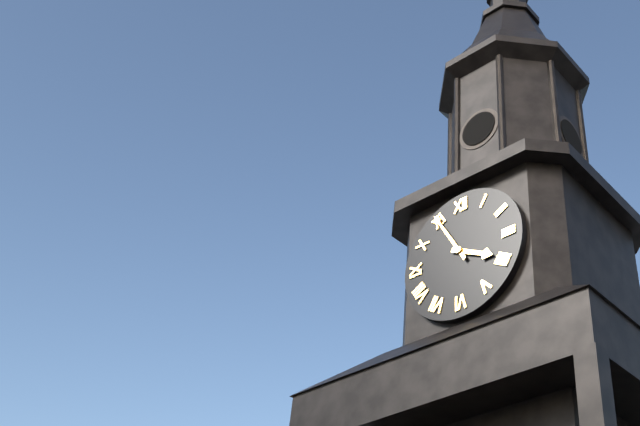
3:55
